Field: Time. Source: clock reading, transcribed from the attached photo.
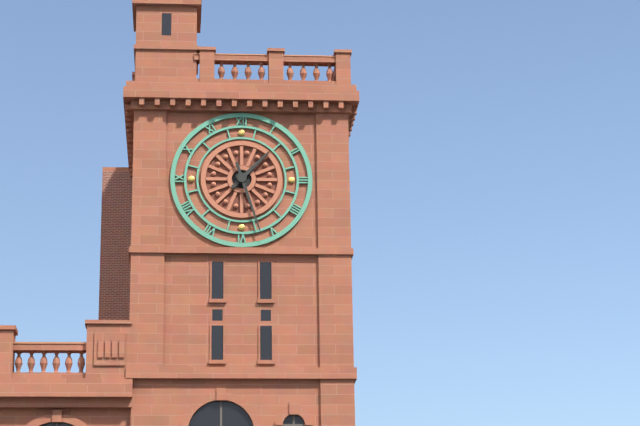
1:27
